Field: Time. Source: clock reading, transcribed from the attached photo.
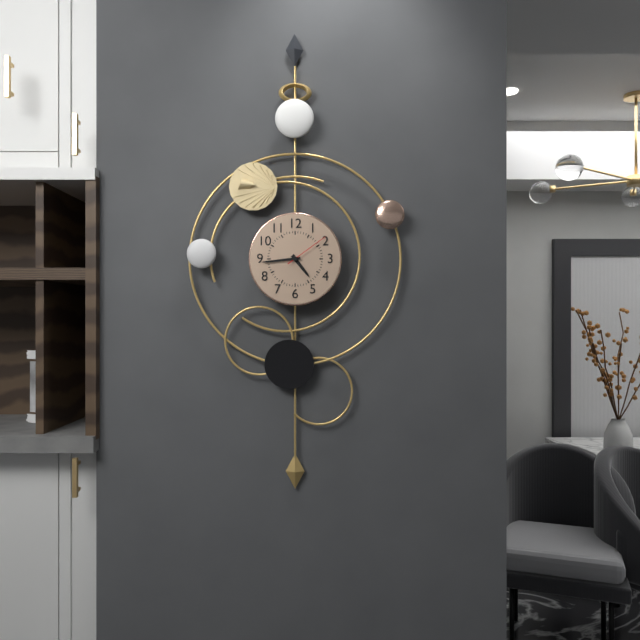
4:44
